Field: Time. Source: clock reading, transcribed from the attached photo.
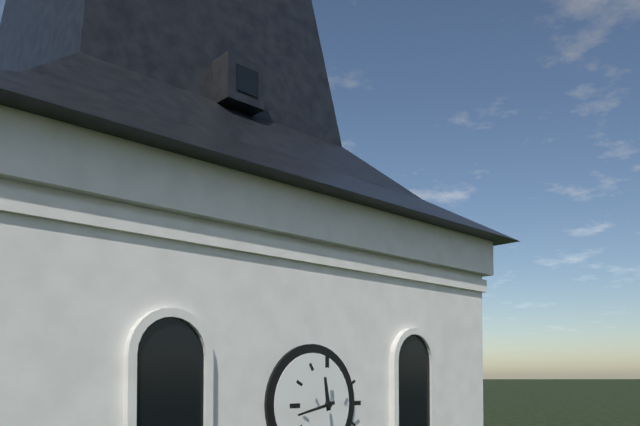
11:43
